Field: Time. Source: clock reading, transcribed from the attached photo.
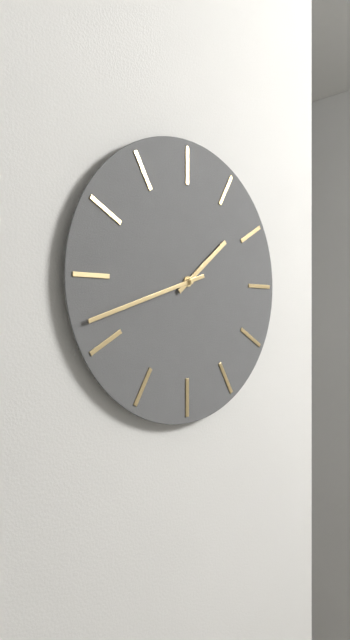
1:42
